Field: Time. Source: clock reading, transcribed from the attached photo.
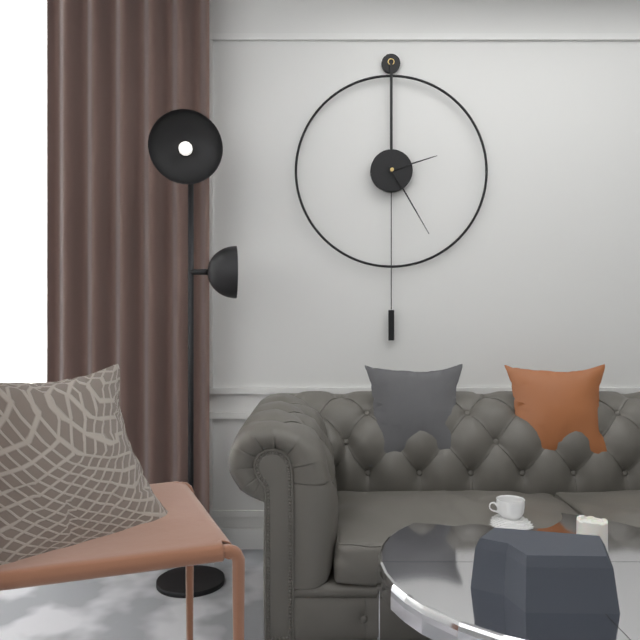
2:25
